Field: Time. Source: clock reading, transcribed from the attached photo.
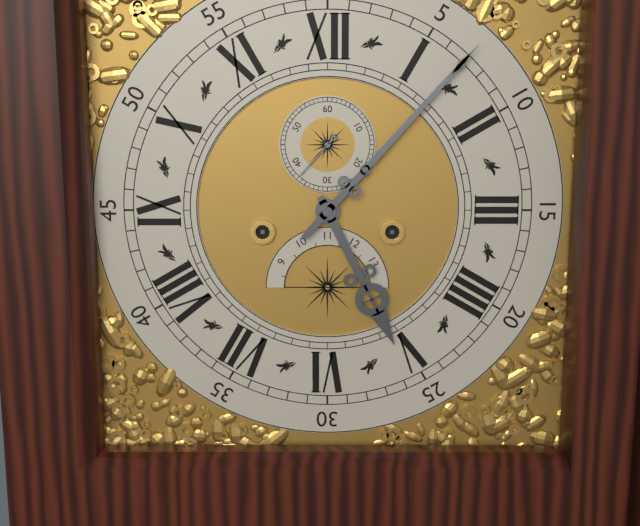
5:07:37
